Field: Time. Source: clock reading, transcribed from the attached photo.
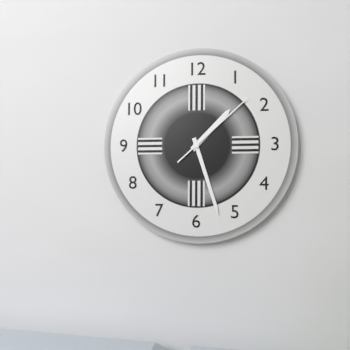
1:27:08
